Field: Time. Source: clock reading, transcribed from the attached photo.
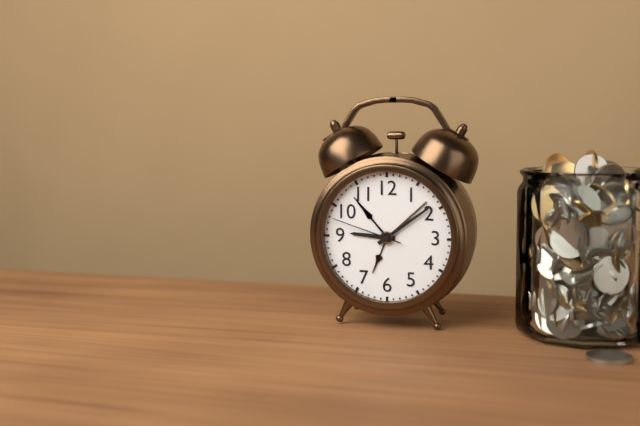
9:09:48
